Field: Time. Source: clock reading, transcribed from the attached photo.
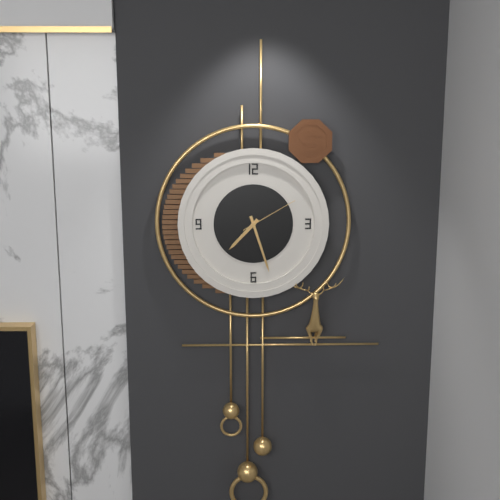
7:27:10
